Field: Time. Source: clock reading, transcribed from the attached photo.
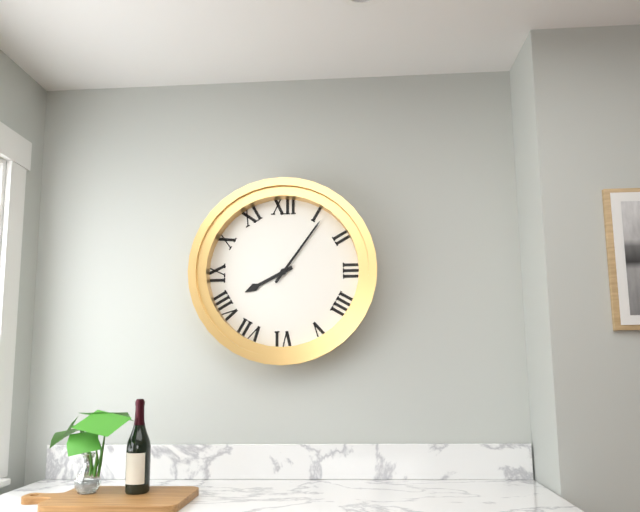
8:06
